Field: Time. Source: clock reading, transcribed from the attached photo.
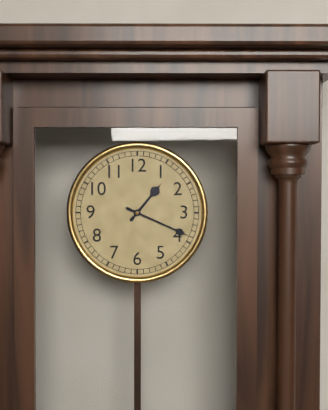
1:19
